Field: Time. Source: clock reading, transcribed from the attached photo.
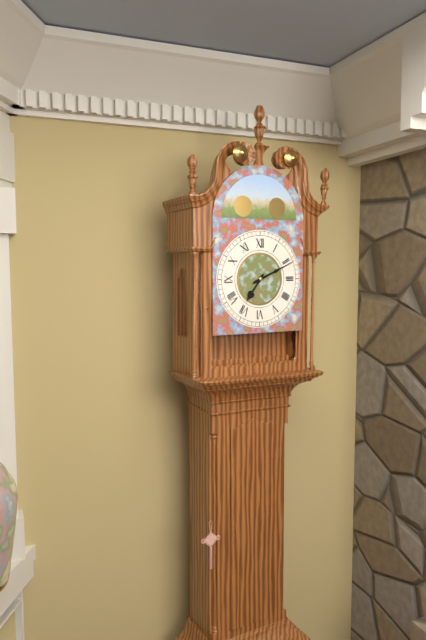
7:11
